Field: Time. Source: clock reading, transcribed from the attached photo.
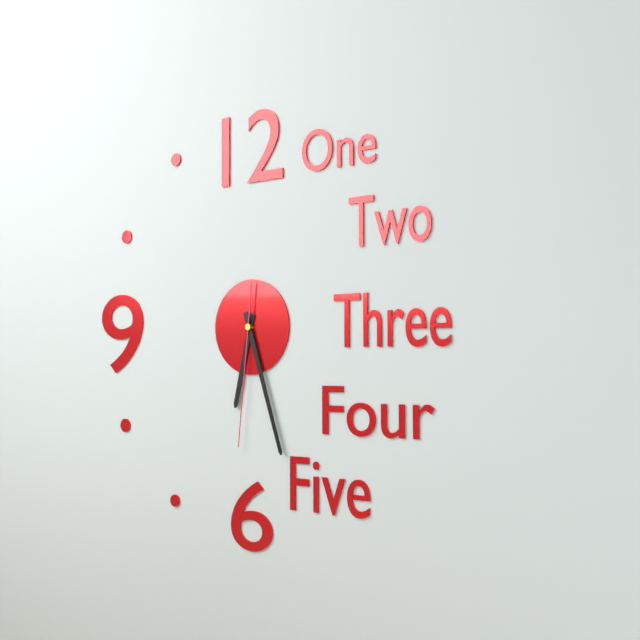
6:27:31
